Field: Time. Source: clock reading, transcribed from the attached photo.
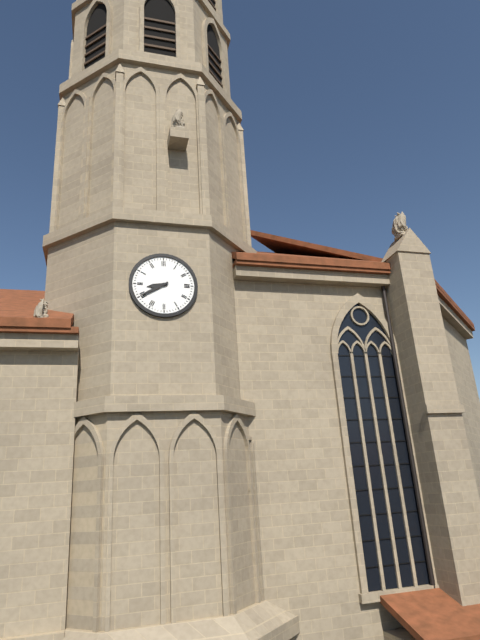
8:40
